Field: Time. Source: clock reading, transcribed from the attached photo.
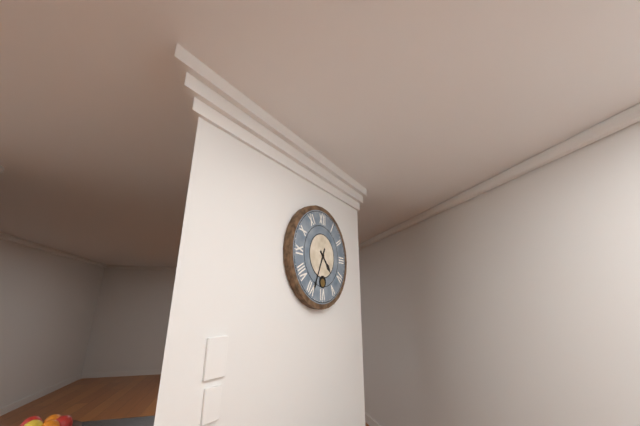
4:34
